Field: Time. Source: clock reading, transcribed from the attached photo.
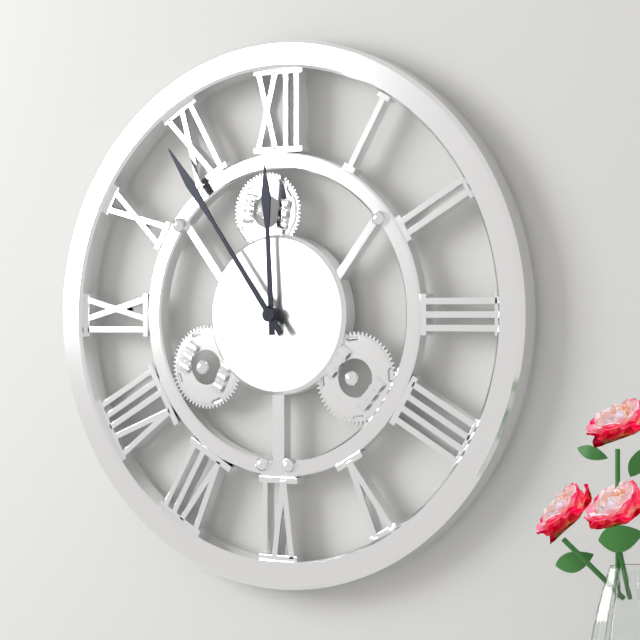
11:54
